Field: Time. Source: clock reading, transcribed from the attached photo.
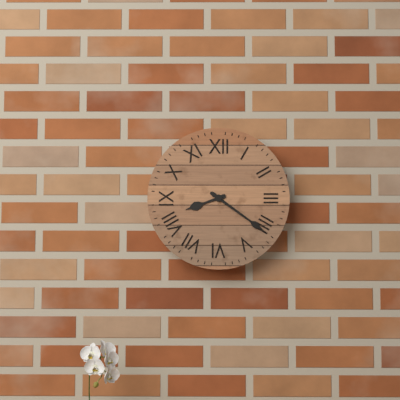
8:21
